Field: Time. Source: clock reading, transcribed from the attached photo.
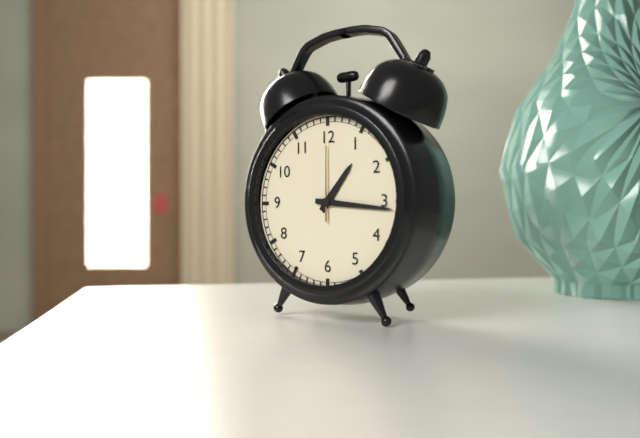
1:16:00
